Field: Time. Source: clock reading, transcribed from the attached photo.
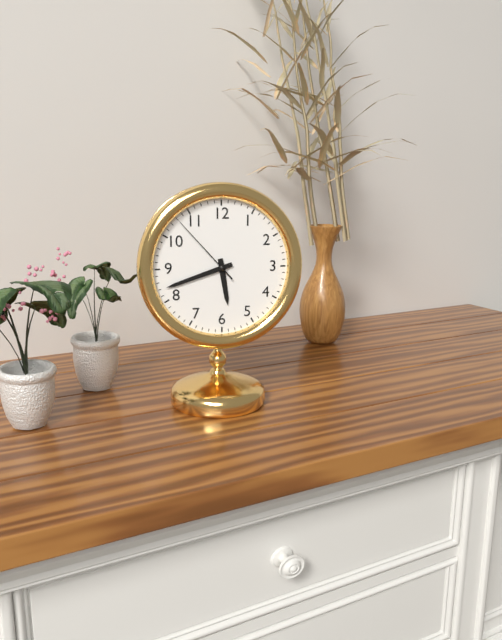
5:42:53
